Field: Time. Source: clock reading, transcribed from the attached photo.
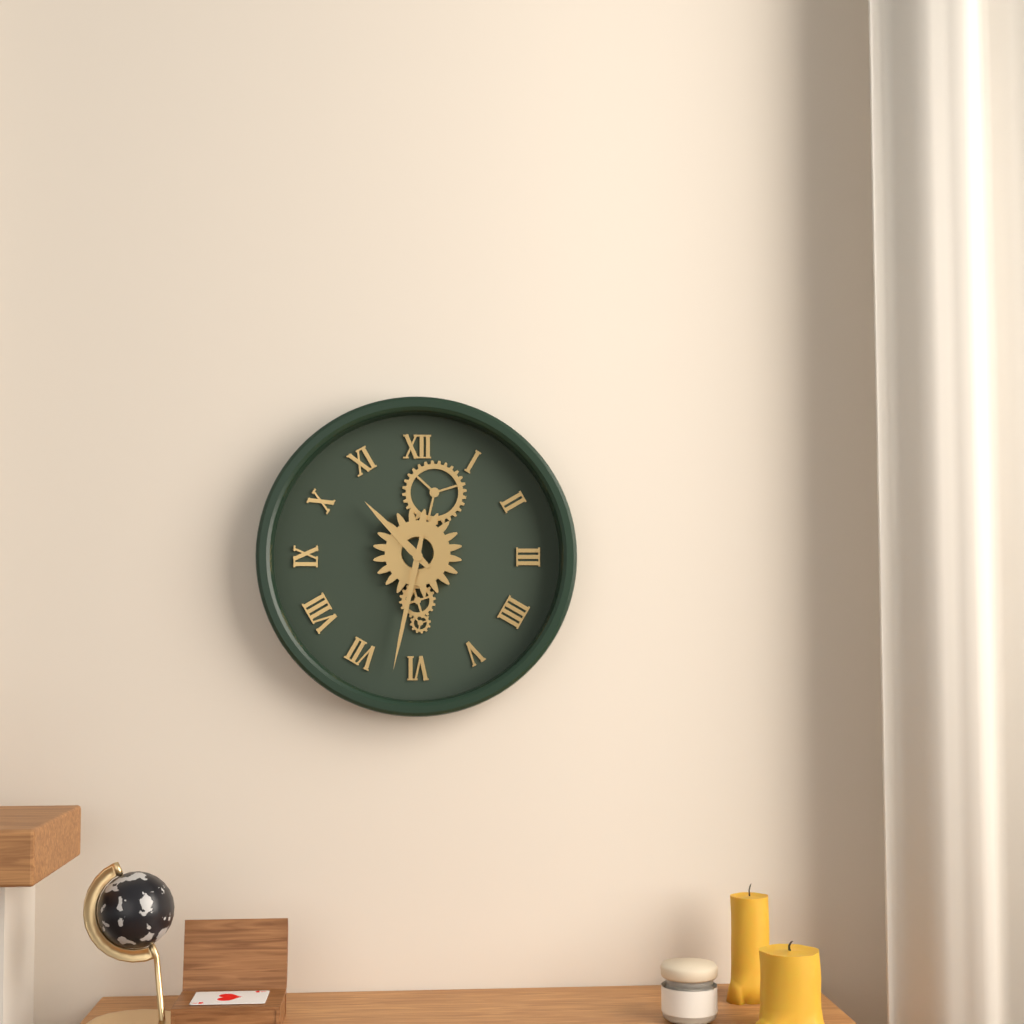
10:32
